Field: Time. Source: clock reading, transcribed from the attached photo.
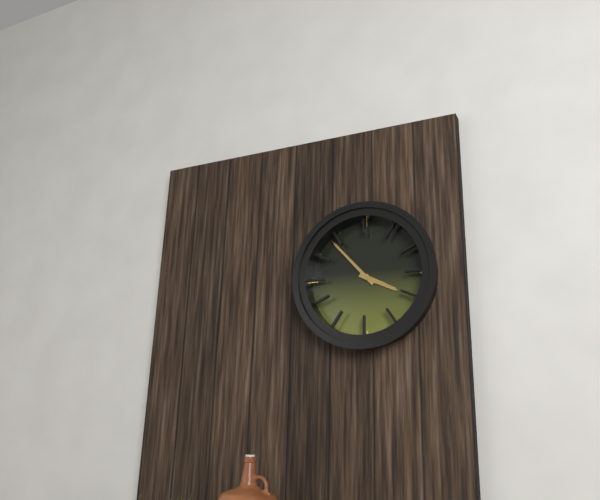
3:53
